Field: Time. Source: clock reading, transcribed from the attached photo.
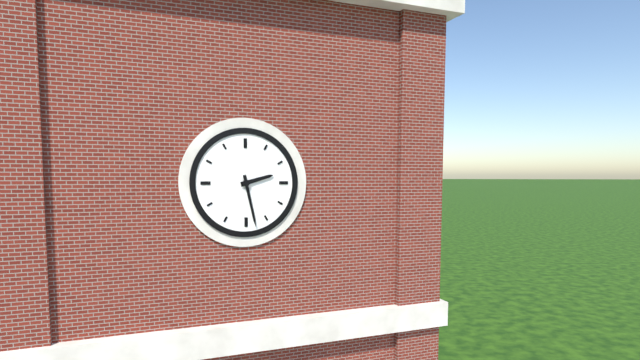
2:28
